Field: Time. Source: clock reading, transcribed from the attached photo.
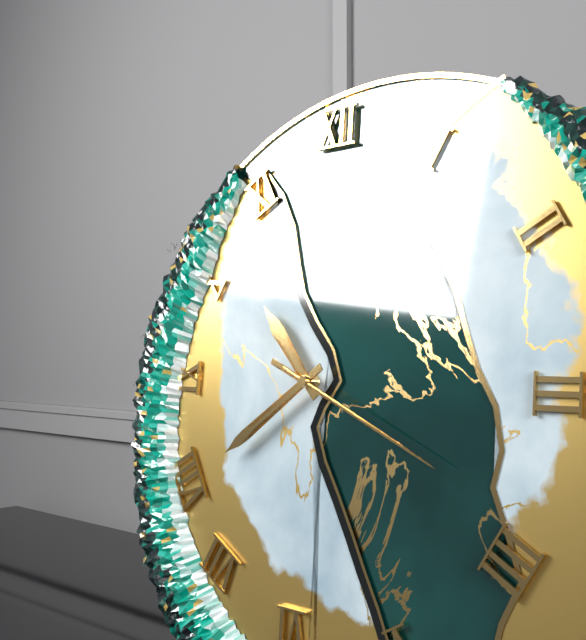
10:39:19
